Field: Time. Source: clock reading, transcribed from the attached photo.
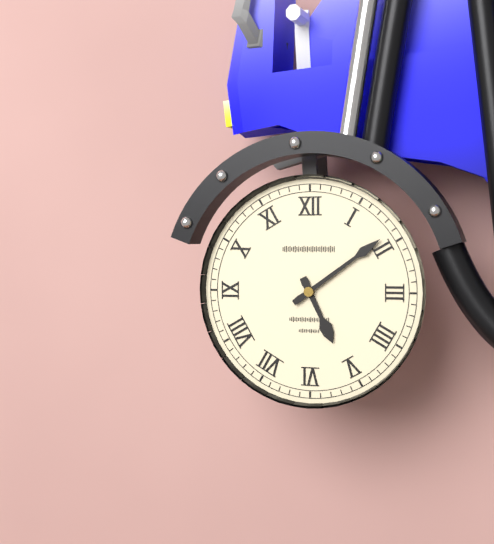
5:09
